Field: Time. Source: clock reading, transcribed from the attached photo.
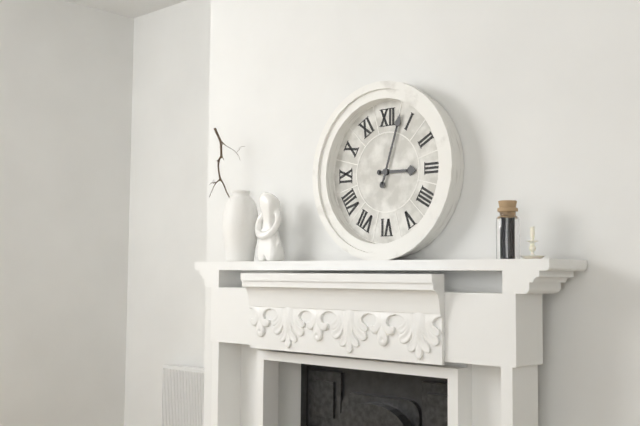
3:03
